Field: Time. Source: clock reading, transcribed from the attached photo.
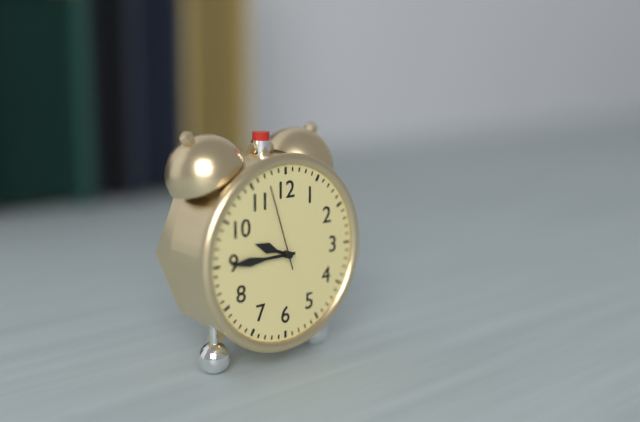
9:45:57
